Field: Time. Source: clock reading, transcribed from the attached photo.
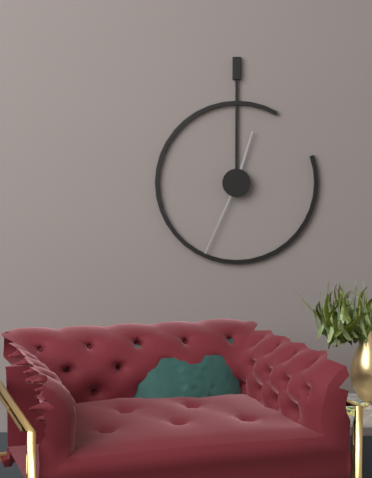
12:34
